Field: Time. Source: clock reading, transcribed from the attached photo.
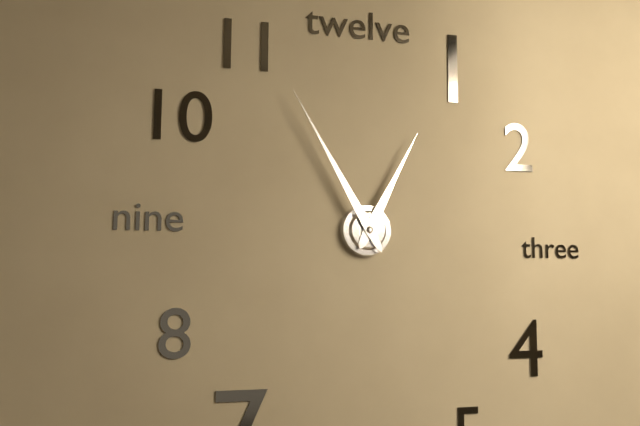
12:55
